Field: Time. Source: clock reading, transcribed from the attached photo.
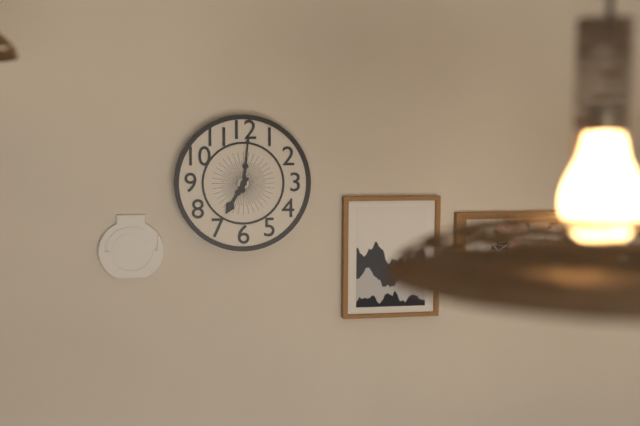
7:01
